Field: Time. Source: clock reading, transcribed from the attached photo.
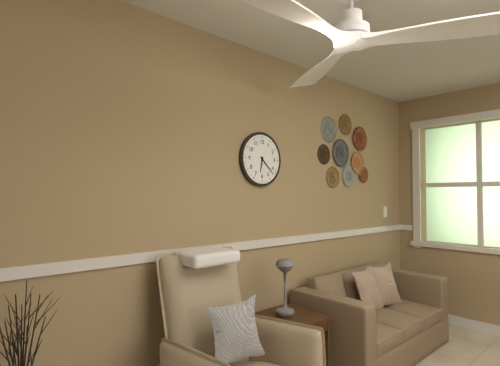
6:22
